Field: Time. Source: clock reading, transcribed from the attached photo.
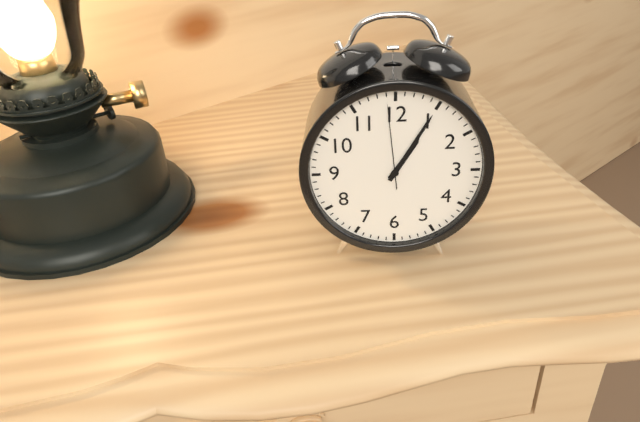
1:05:59
